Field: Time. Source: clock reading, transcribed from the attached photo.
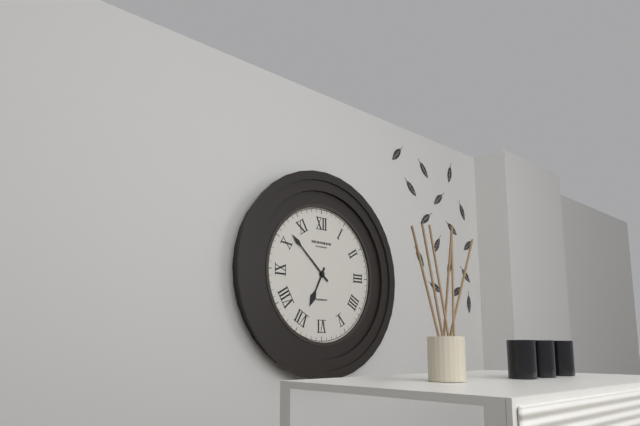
6:52
